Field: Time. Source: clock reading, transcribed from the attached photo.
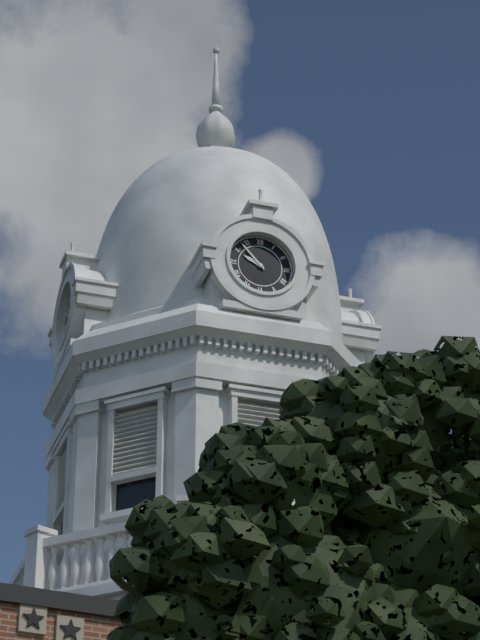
9:53
